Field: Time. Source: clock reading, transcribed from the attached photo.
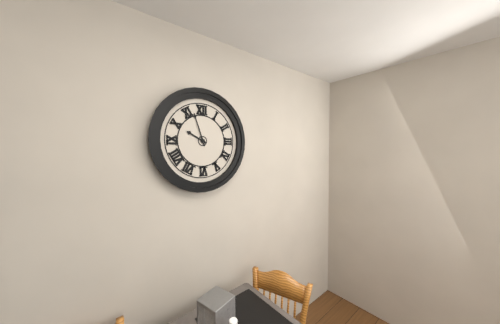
9:57
